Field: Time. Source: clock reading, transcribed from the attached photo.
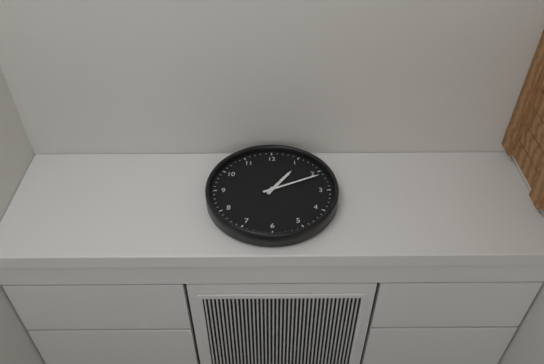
1:11
